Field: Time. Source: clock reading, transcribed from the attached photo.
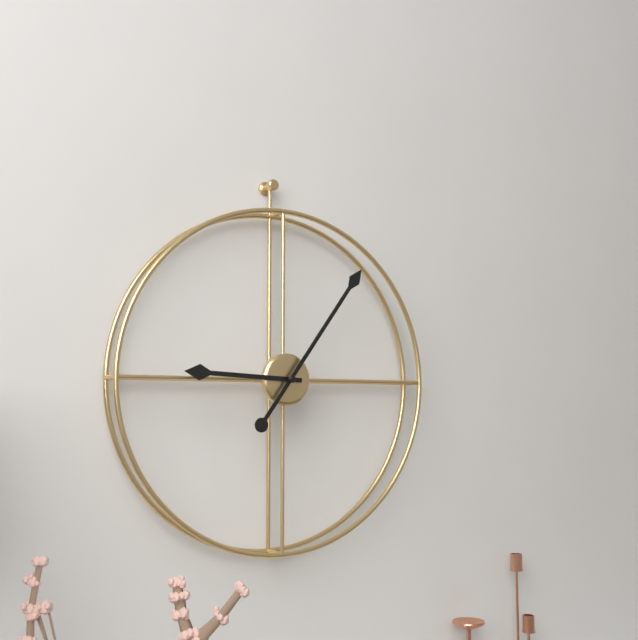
9:06
